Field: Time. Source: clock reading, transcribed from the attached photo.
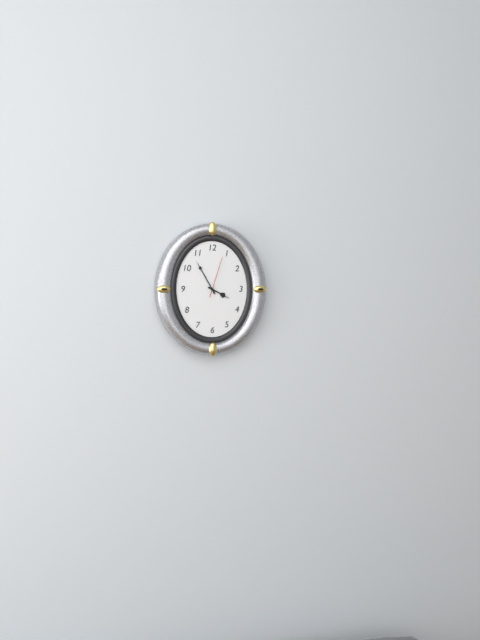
3:55
